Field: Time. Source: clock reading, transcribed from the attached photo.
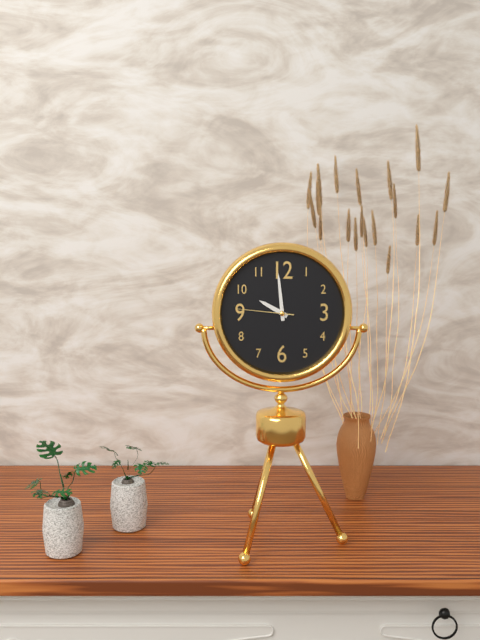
9:59:46
